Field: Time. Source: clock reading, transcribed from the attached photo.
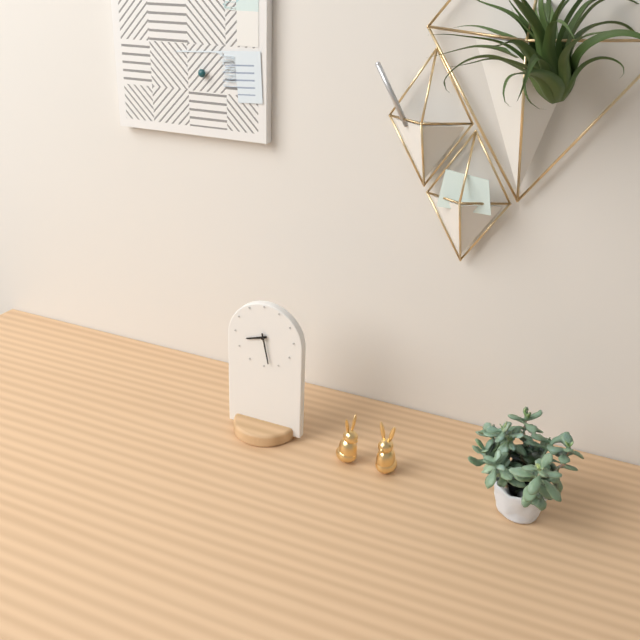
8:28
